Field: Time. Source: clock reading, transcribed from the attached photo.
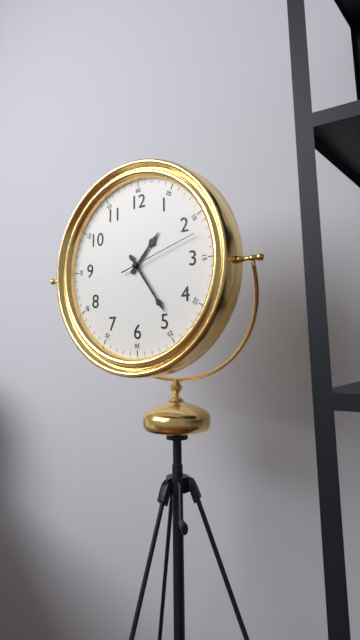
1:24:12
